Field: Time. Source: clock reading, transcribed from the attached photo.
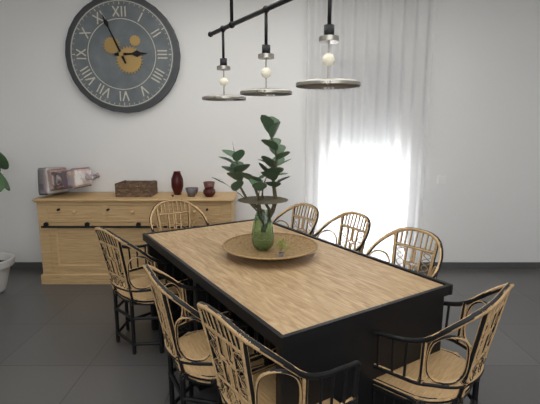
2:56
